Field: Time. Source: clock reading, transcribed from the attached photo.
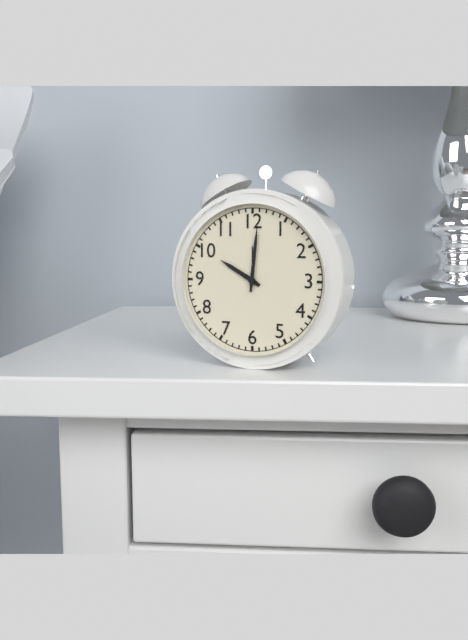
10:01
